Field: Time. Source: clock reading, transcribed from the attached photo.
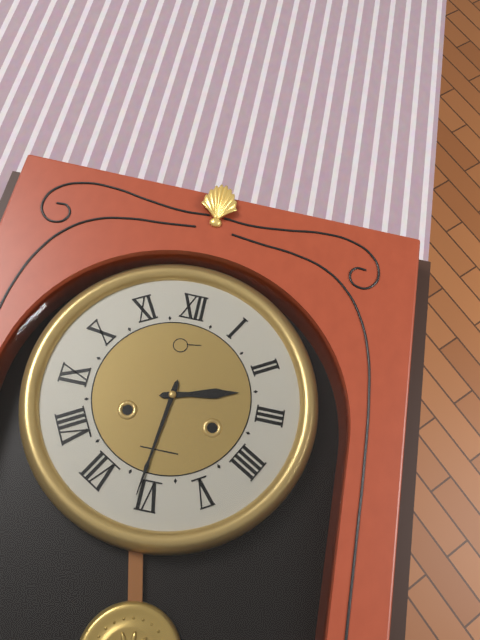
2:31
